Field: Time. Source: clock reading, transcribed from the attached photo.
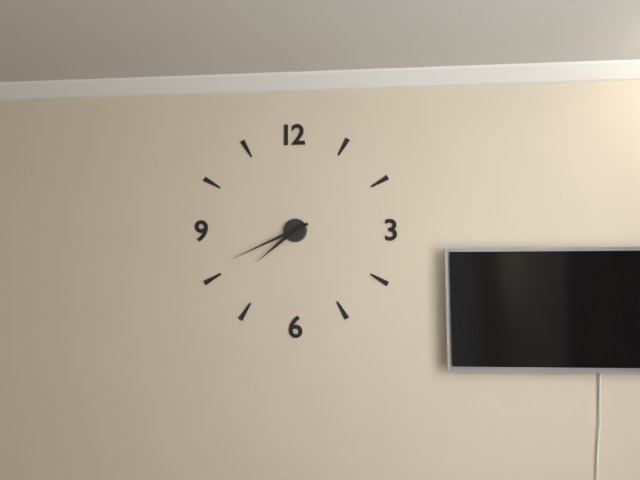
7:41
